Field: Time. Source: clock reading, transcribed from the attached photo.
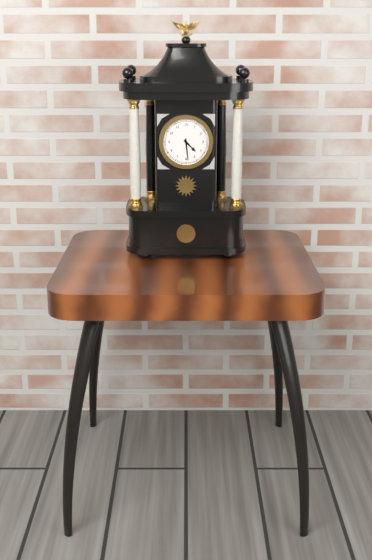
4:29
